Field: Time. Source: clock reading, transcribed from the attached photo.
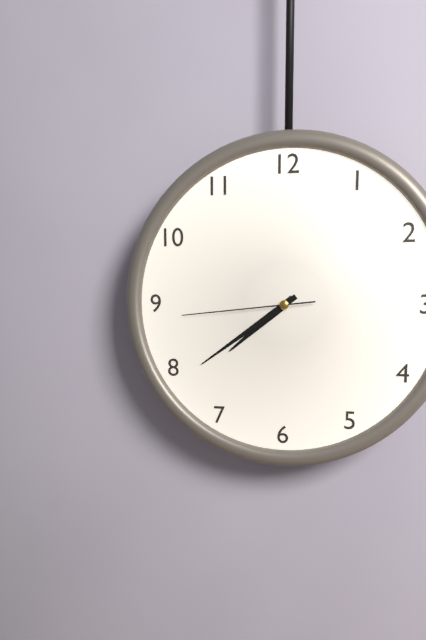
7:39:44
